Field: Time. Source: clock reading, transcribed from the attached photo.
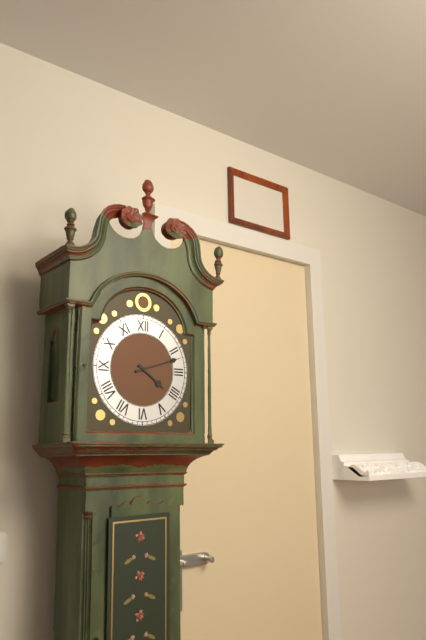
4:12
